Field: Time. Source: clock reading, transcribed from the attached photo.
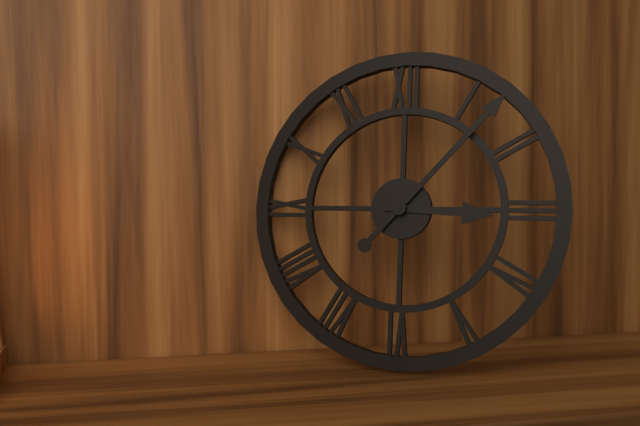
3:07
